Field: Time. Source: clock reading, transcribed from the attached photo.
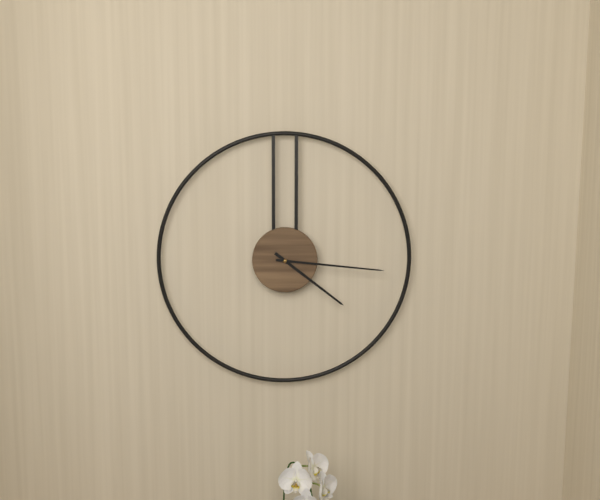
4:16
